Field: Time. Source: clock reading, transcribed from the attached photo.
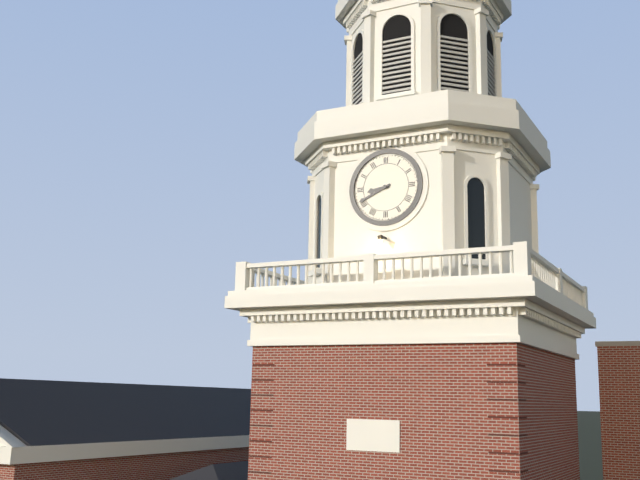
8:41
